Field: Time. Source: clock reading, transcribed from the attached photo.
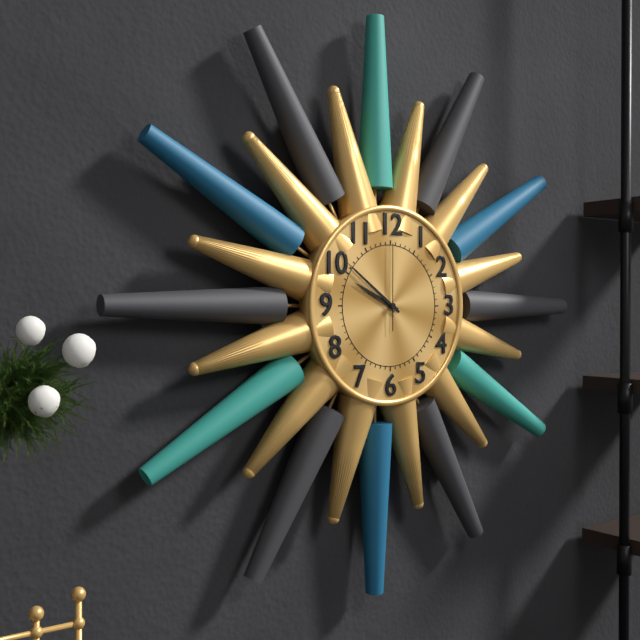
9:51:00
